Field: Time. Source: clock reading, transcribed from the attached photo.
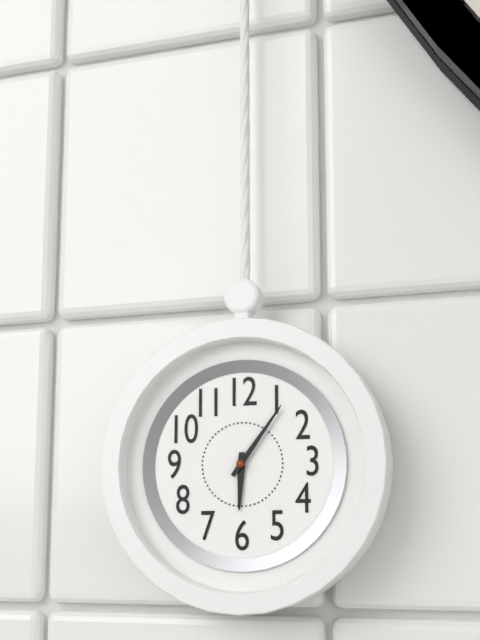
6:06
